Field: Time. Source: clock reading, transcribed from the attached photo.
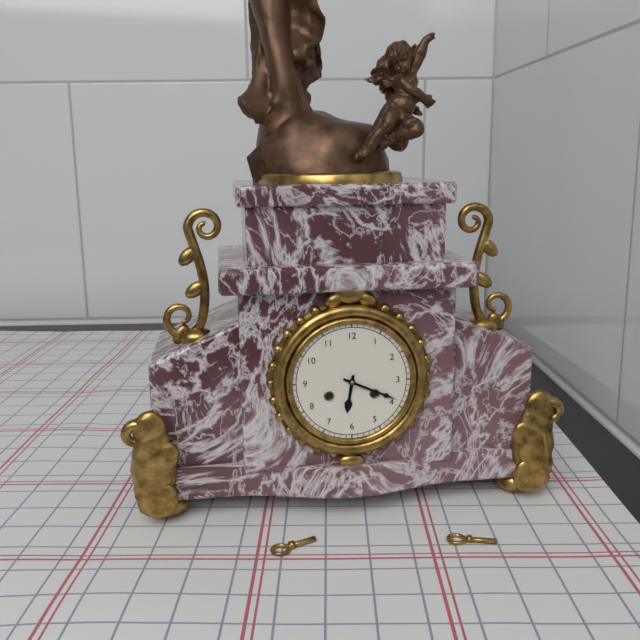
6:19
